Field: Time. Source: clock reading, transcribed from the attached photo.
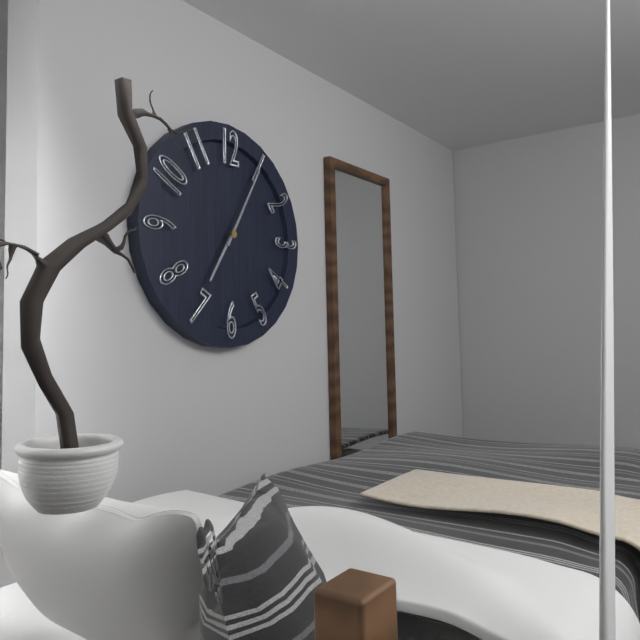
7:05
